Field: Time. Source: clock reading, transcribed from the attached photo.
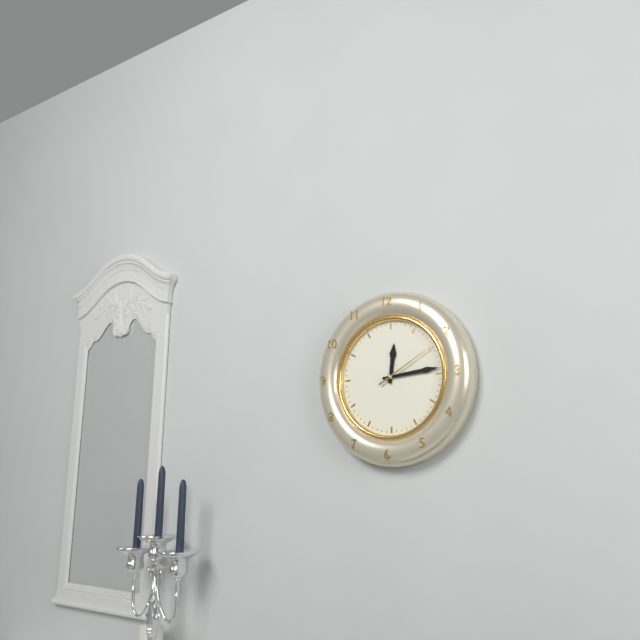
12:14:10
